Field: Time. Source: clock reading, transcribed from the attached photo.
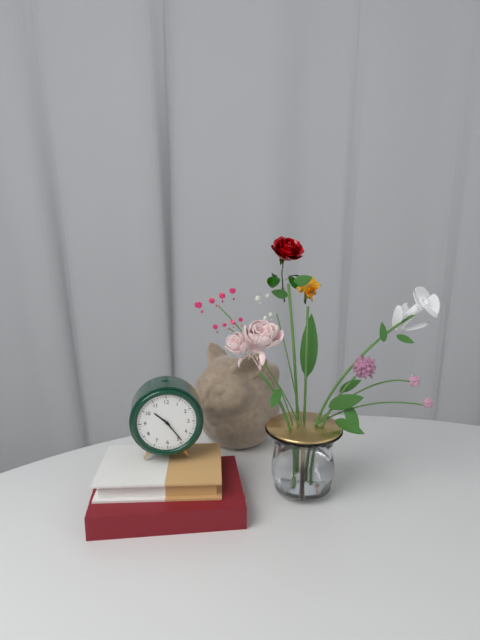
10:24
